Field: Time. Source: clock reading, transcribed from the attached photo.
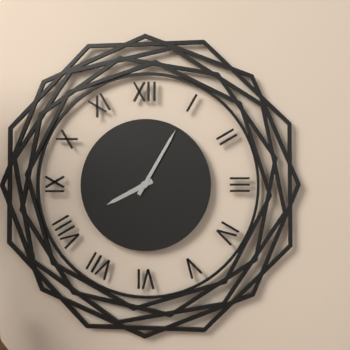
8:05
